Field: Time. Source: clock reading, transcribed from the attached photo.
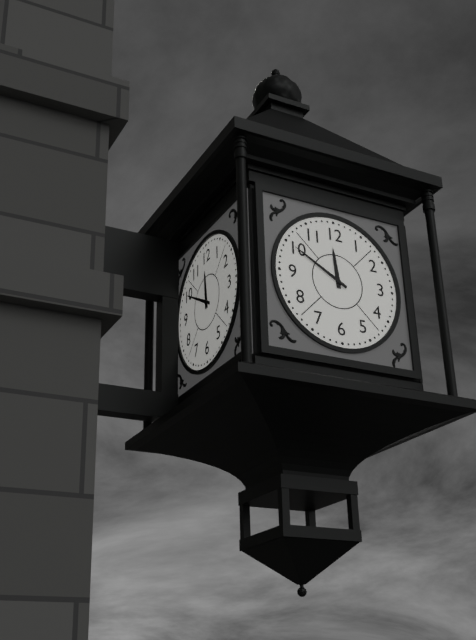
11:50
